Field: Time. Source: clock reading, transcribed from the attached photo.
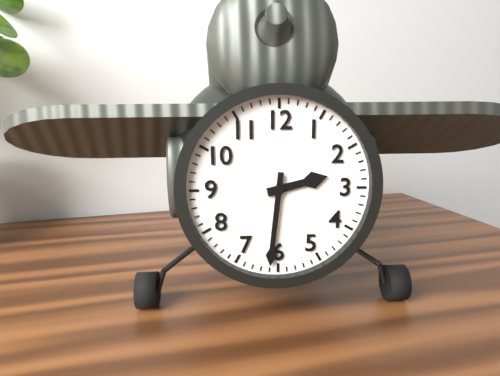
2:31
